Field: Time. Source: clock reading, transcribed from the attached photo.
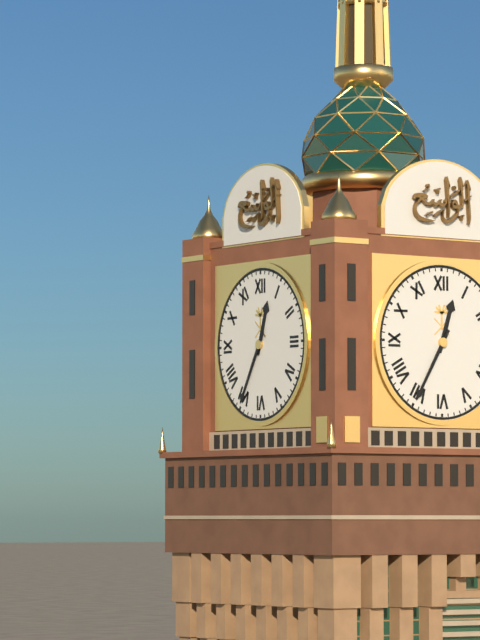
12:35
